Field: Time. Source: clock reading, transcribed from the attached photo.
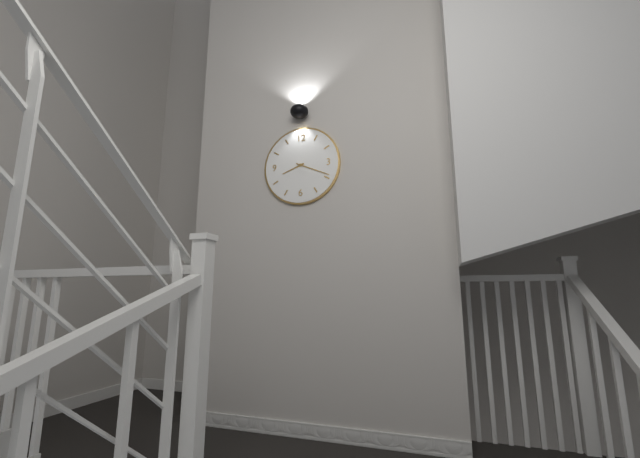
8:19
